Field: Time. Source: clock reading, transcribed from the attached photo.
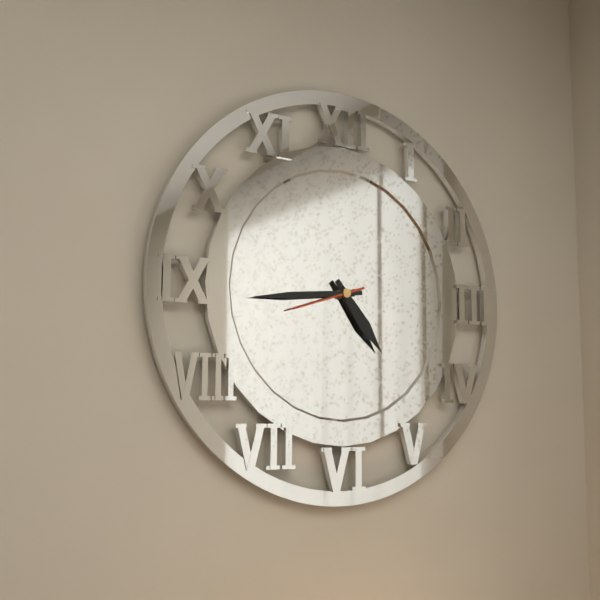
4:44:42
